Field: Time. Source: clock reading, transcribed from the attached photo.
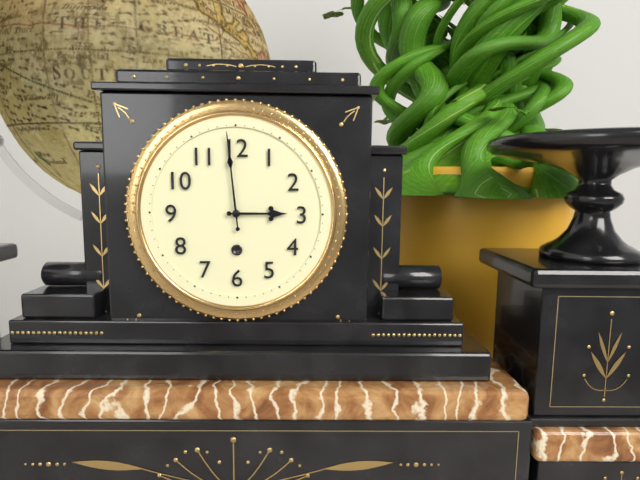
2:59
